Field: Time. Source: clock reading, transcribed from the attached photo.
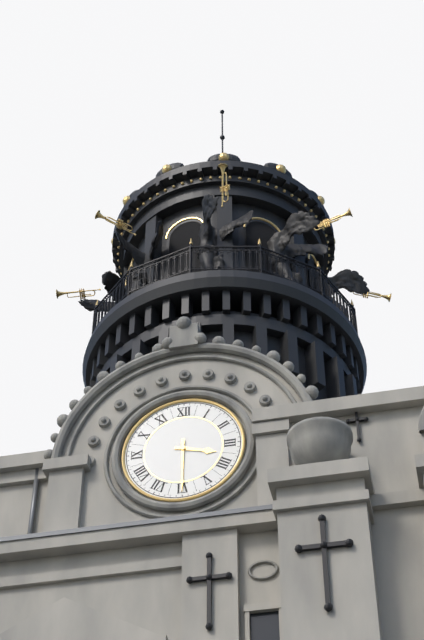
3:30
